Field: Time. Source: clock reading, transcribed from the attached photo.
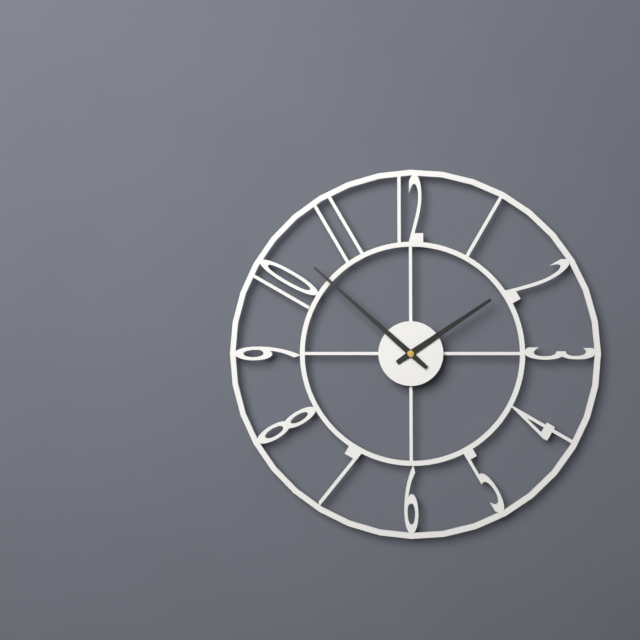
1:52
